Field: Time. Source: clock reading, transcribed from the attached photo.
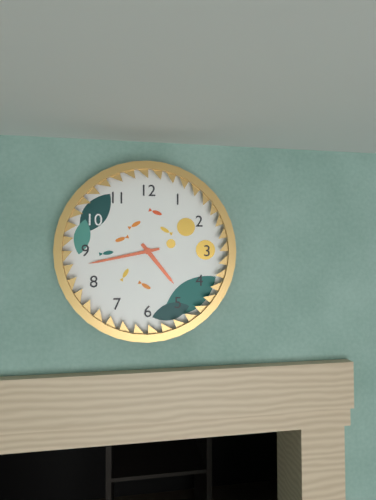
4:43
